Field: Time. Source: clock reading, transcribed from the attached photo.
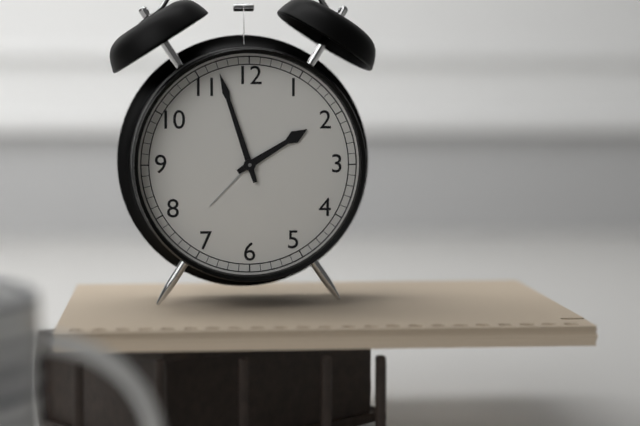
1:57
